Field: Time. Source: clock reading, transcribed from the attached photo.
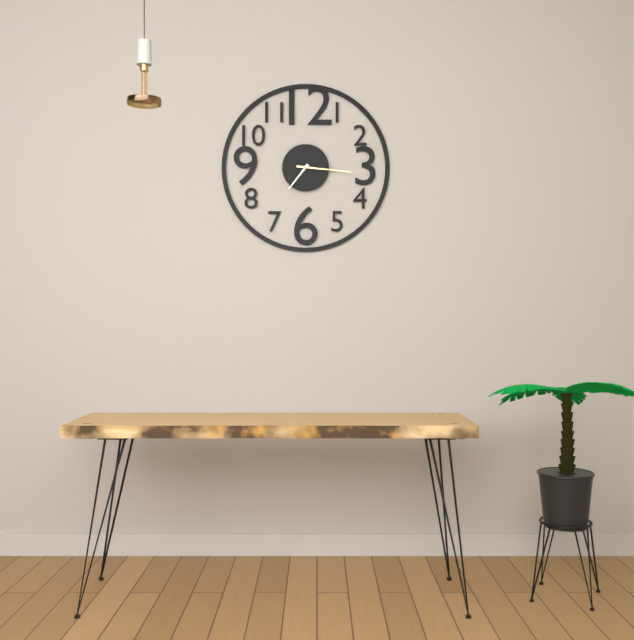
7:16
